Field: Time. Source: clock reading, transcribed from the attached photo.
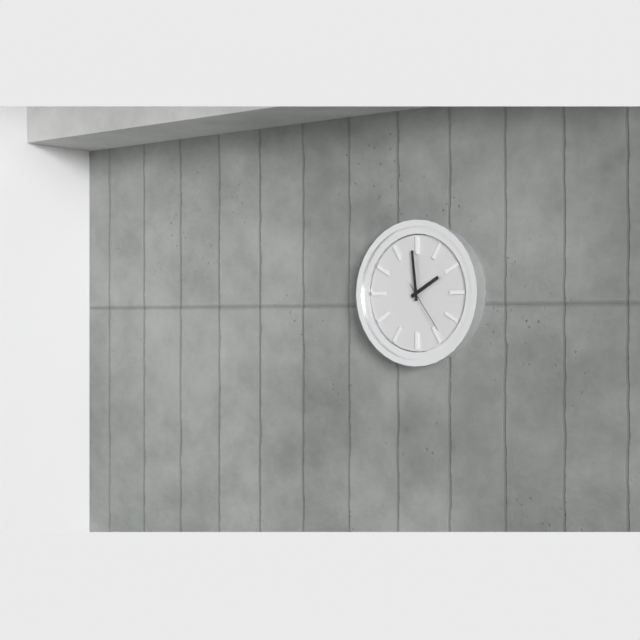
1:59:24
